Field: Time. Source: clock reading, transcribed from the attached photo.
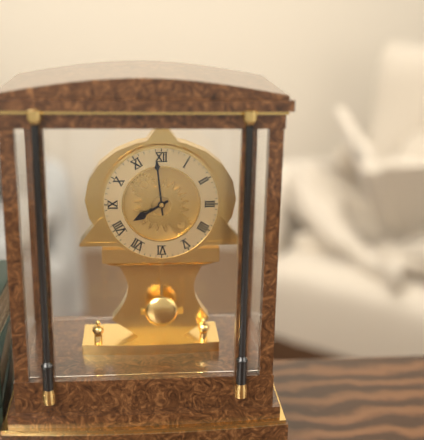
7:59
